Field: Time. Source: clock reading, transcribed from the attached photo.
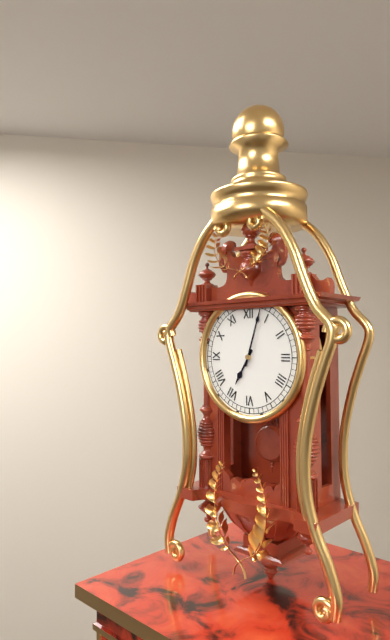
7:03
